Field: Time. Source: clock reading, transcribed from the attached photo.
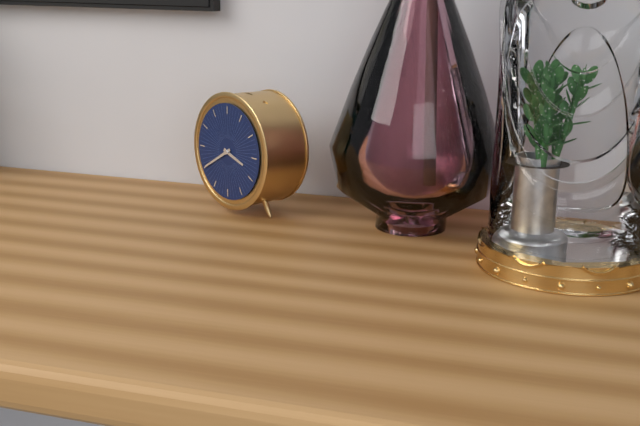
3:40
